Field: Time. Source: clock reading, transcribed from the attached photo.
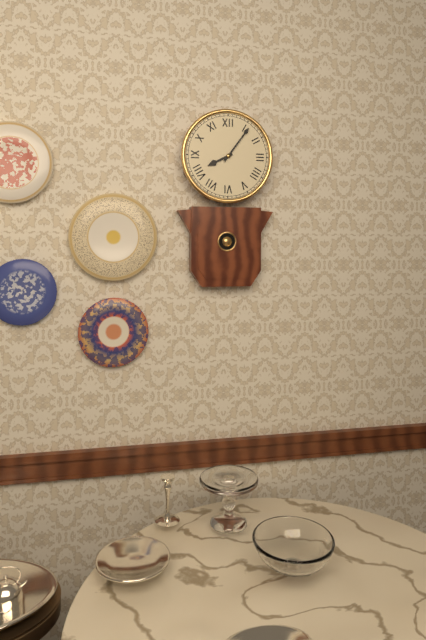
8:06
